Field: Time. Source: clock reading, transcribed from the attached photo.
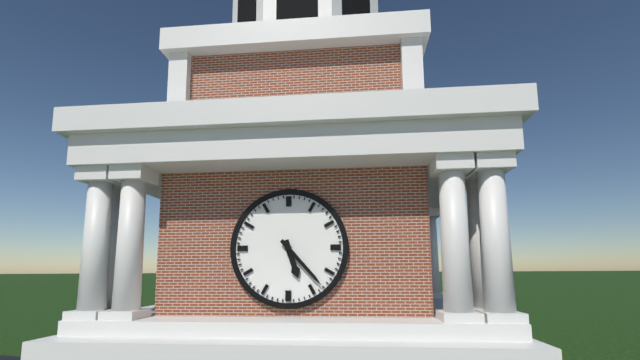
5:23
